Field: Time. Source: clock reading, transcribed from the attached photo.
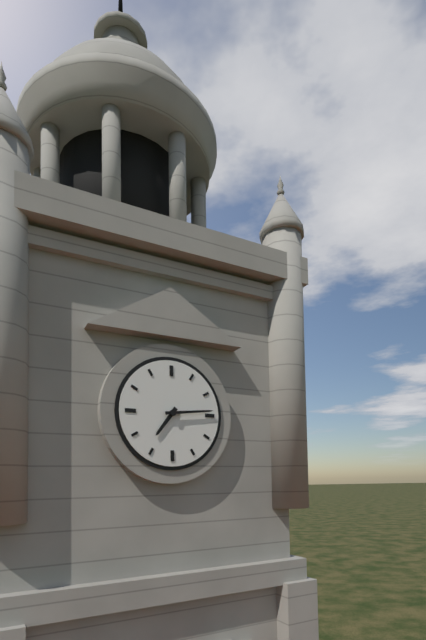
7:14
